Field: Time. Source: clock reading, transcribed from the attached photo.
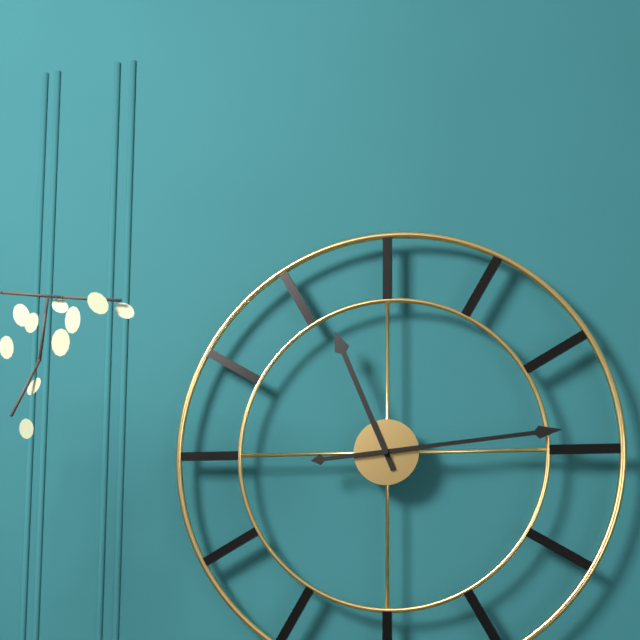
11:14
